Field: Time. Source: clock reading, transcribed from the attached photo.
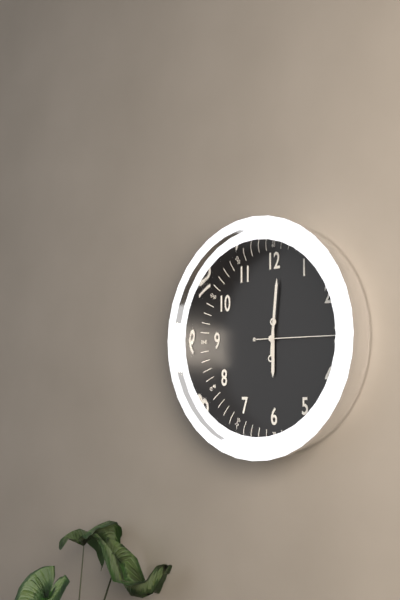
6:01:15
